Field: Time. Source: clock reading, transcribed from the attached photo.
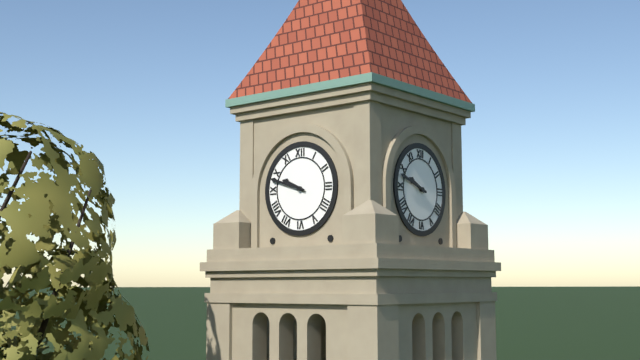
9:48
